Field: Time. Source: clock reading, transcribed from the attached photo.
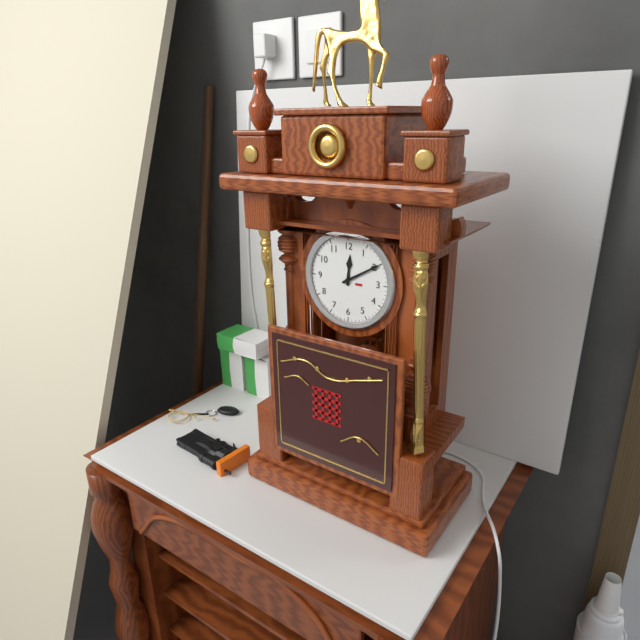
12:10
